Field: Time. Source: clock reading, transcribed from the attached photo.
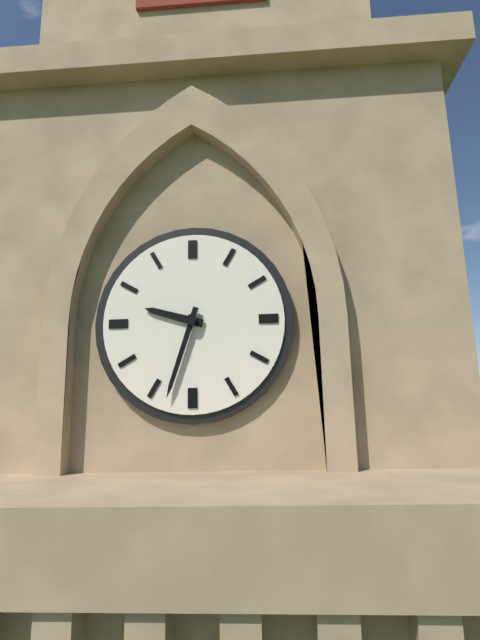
9:33
